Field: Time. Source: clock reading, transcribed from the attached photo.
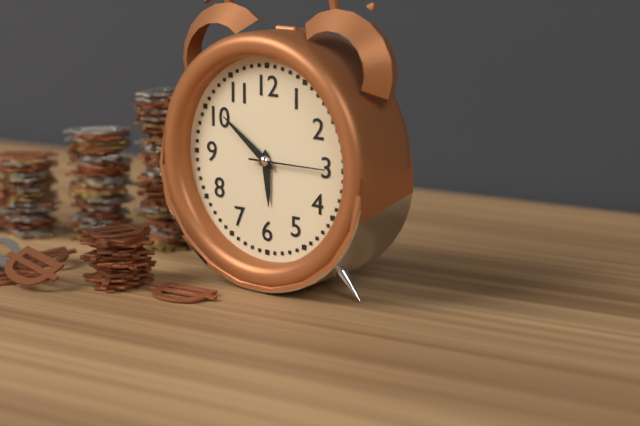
5:51:15
